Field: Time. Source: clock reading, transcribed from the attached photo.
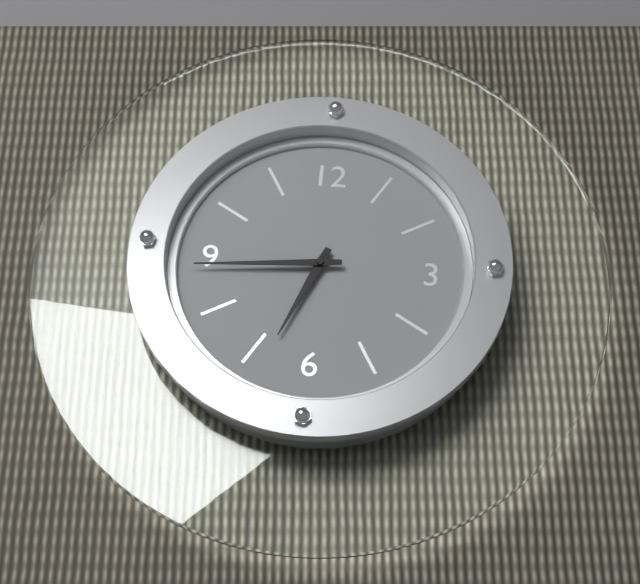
6:44
